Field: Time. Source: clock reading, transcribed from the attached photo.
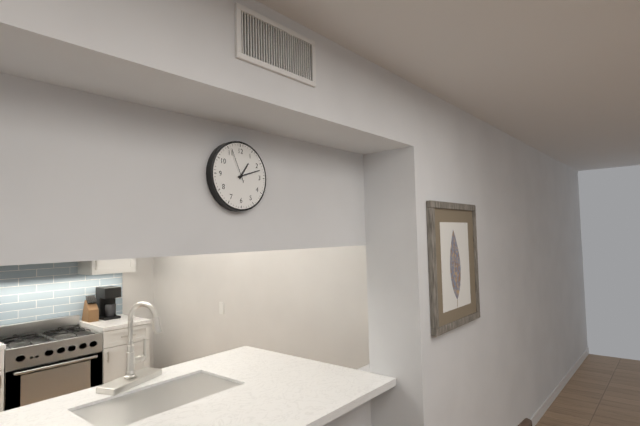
1:12
